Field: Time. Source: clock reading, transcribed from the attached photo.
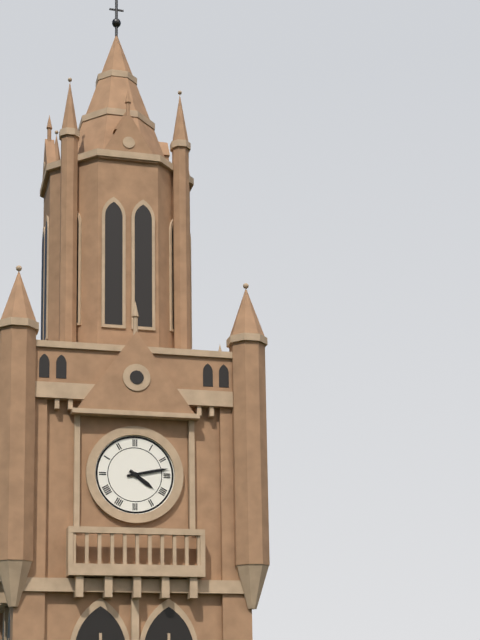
4:13
